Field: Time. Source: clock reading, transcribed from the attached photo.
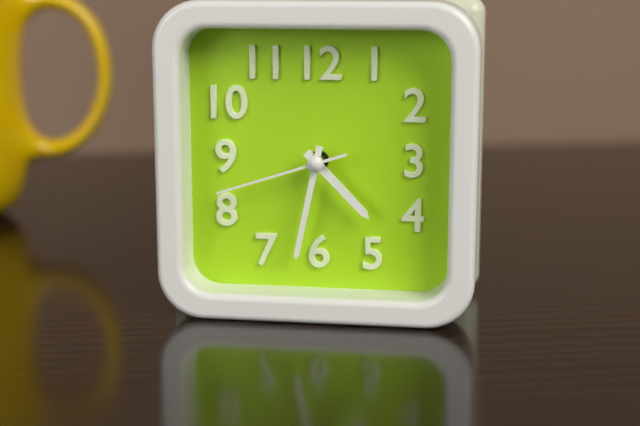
4:32:42
